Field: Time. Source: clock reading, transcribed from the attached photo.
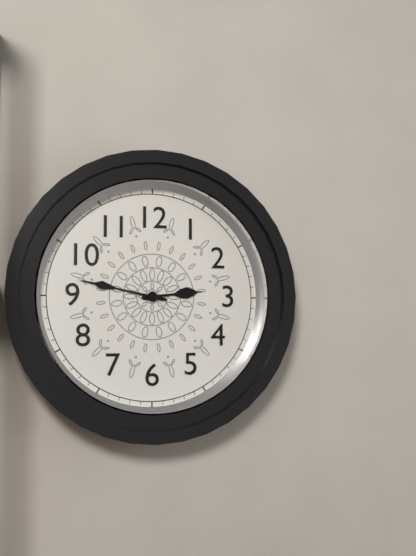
2:47
